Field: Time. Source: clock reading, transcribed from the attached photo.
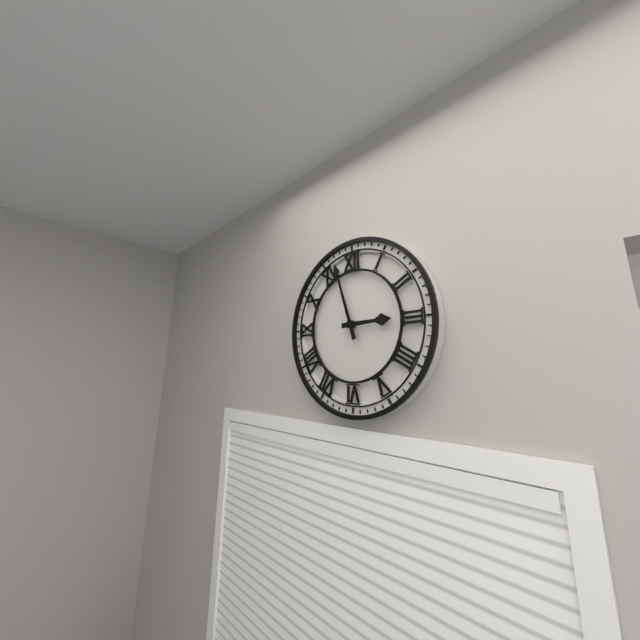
2:57
